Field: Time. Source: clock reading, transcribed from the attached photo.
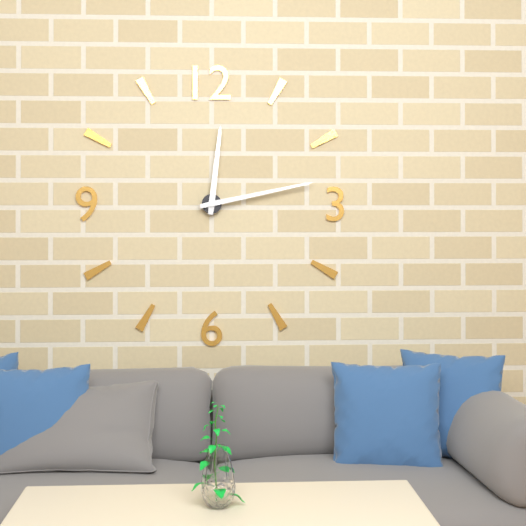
12:13
